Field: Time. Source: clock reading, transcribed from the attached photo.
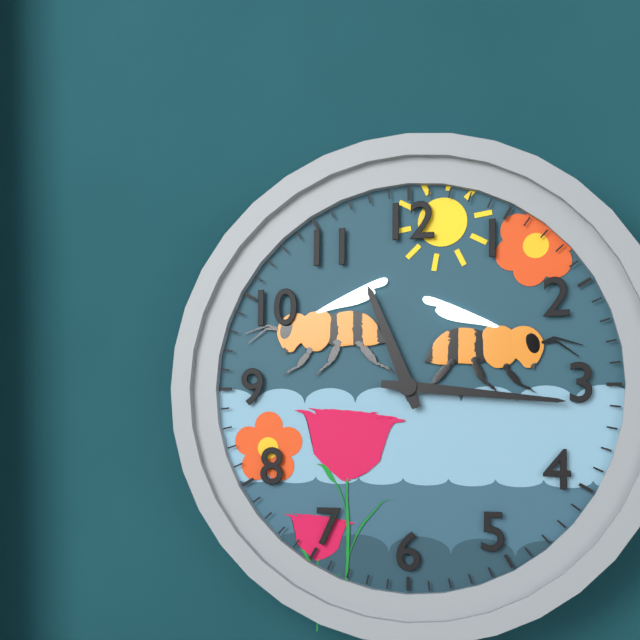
11:16
